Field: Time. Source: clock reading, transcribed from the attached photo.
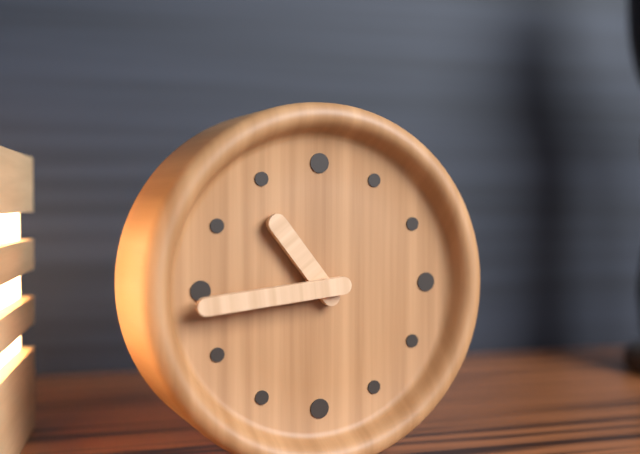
10:44
